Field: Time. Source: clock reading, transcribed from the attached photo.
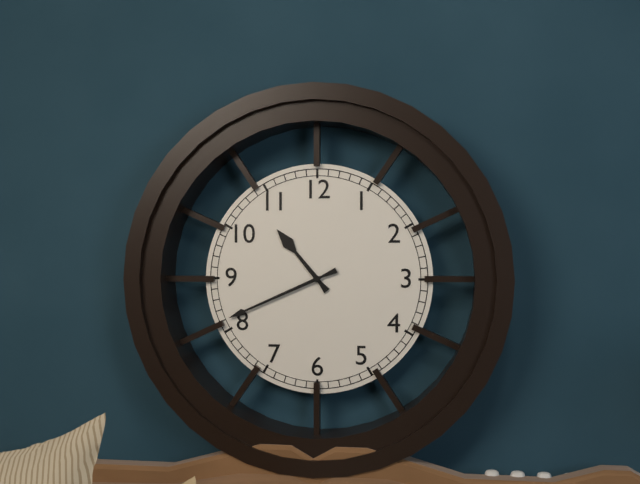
10:41
